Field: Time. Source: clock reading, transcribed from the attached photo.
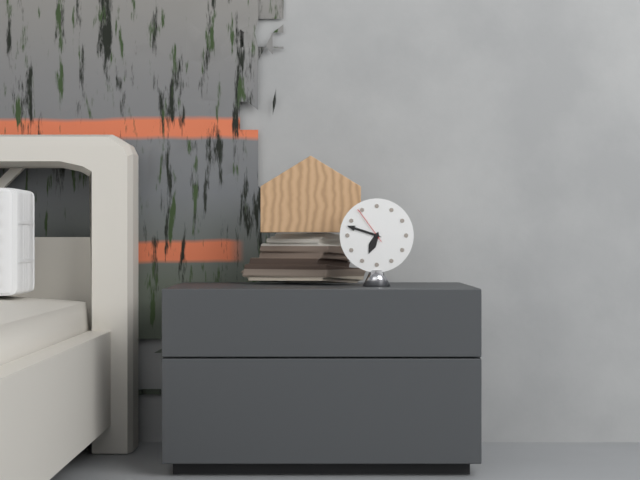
6:48
